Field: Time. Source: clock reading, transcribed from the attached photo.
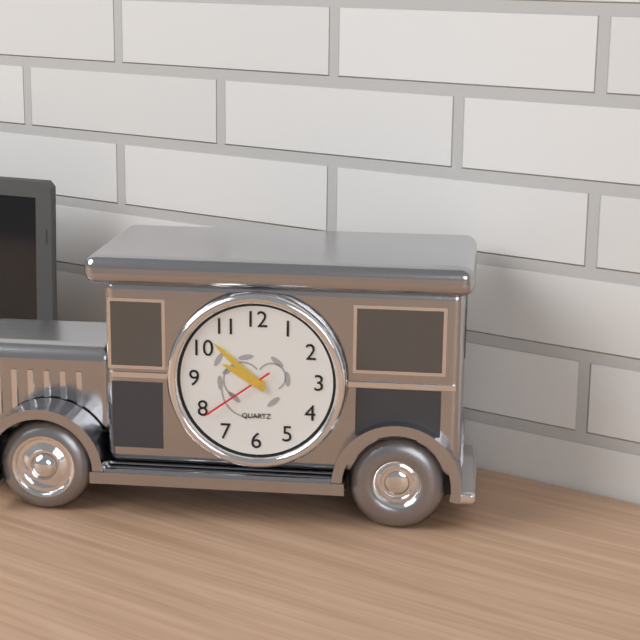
9:52:39
